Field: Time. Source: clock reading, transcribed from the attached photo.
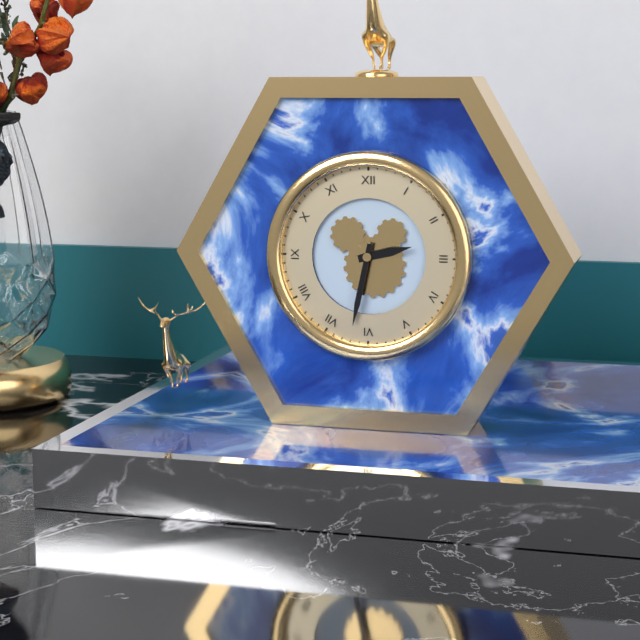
2:32
